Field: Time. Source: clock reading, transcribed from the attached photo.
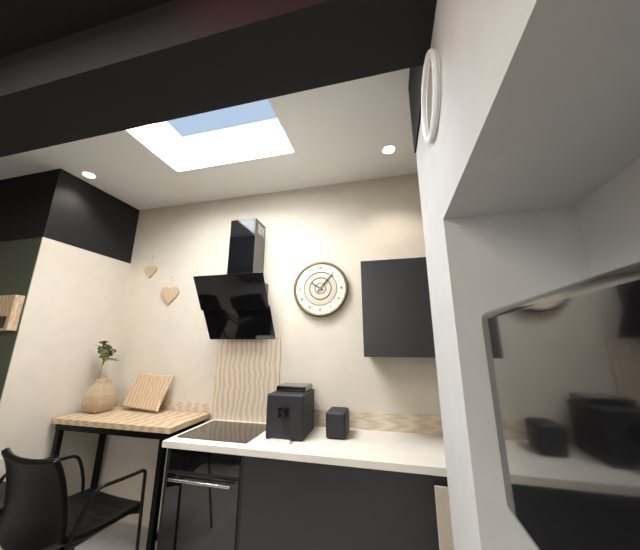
10:07
